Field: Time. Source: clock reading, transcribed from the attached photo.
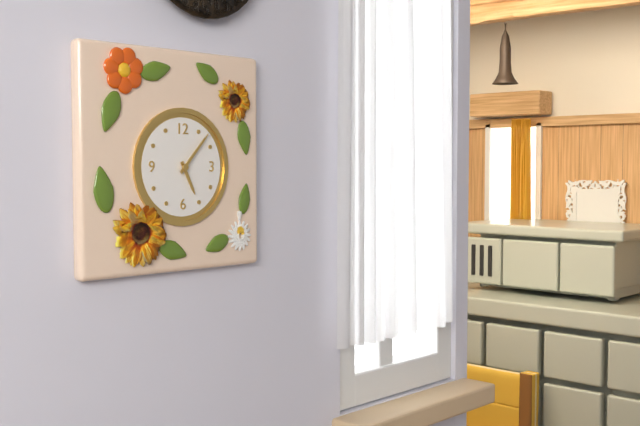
5:07
